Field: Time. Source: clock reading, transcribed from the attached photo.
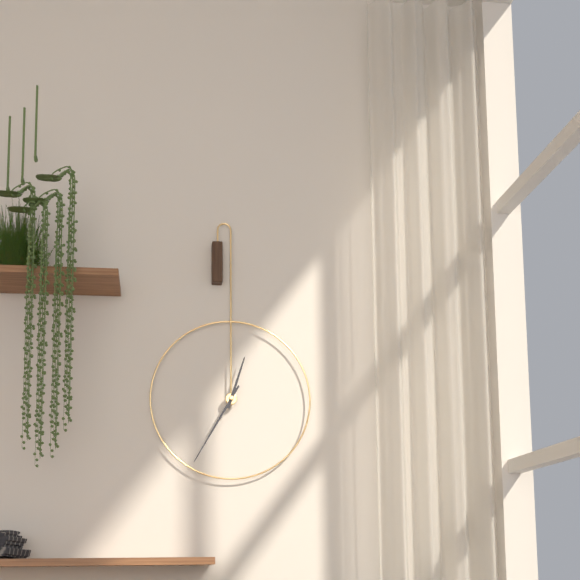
12:35
